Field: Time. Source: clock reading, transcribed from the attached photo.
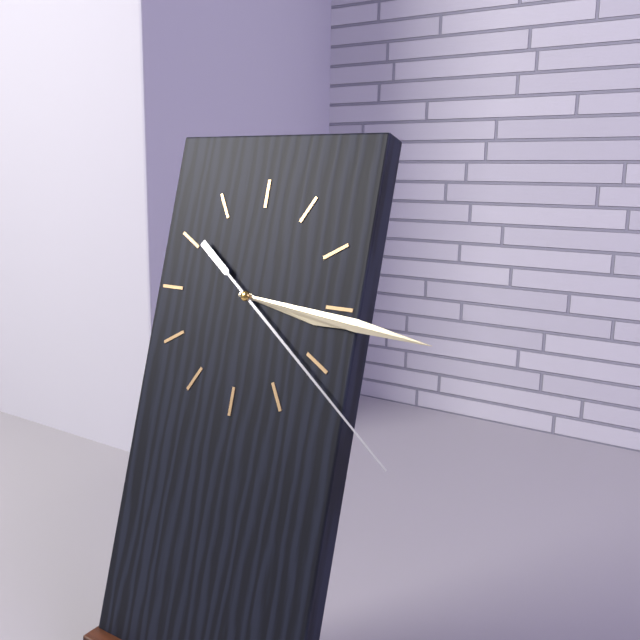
3:16:21
